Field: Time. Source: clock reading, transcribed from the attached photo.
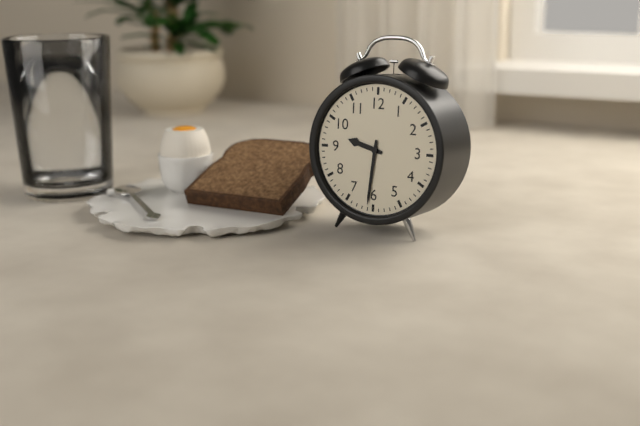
9:31
